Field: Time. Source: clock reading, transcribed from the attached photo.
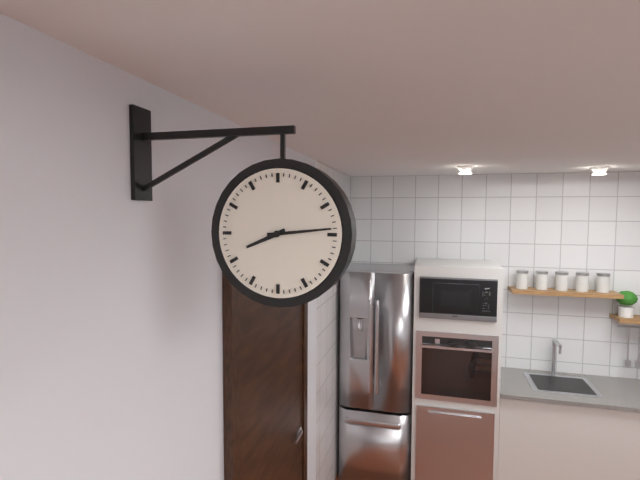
8:14
